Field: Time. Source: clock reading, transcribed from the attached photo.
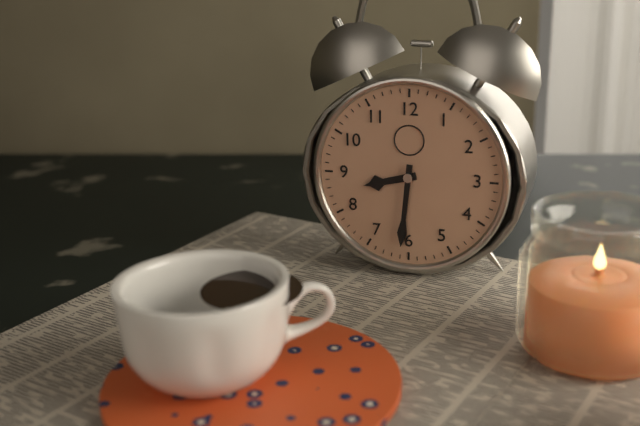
8:31
